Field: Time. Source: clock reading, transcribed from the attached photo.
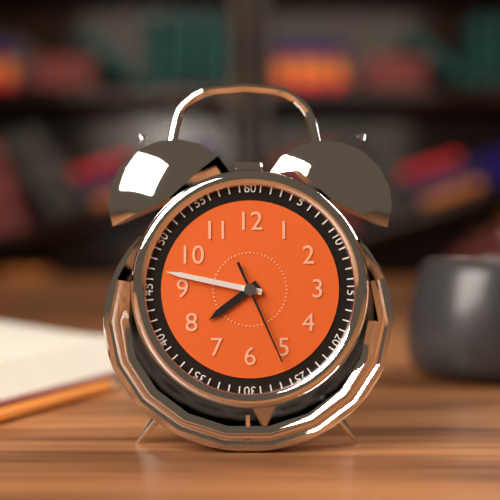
7:47:26
